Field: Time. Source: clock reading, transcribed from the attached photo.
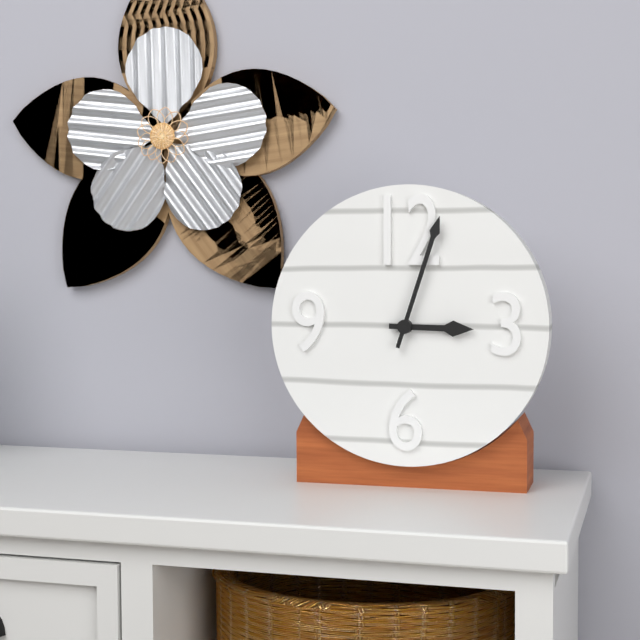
3:03
